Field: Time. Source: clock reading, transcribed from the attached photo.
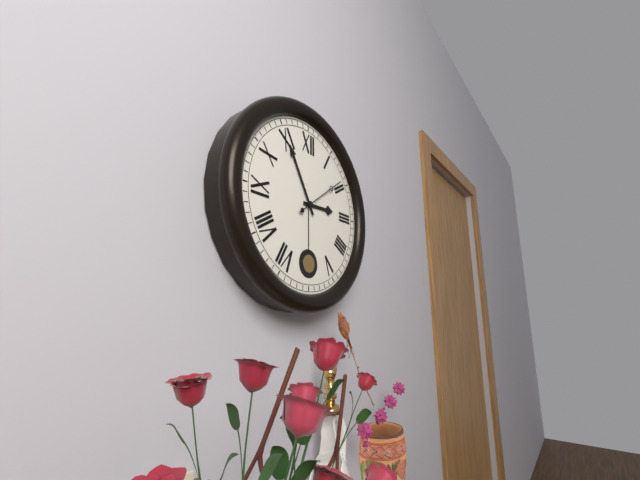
2:55
